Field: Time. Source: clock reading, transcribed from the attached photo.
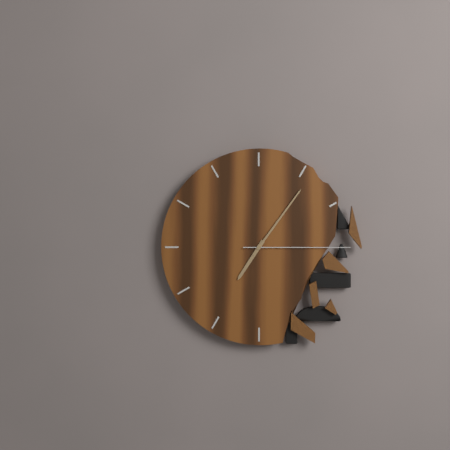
7:06:15
